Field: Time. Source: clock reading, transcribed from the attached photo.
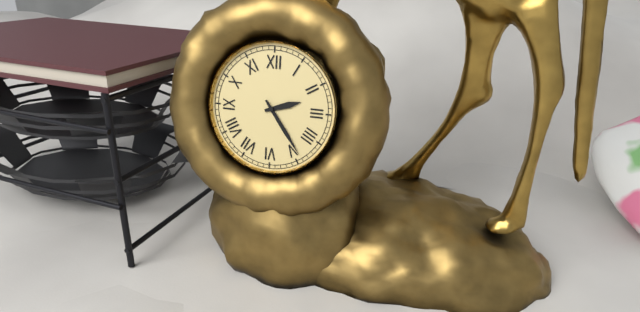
2:24
